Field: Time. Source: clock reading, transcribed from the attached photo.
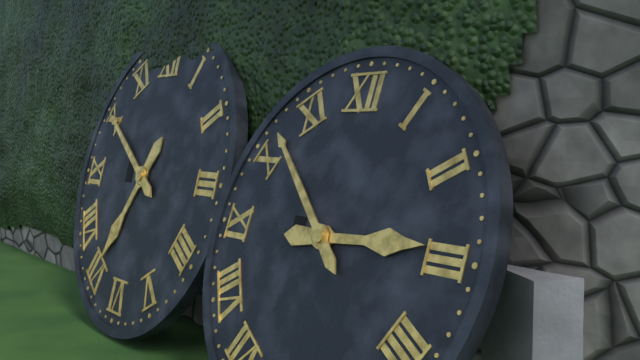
2:52
